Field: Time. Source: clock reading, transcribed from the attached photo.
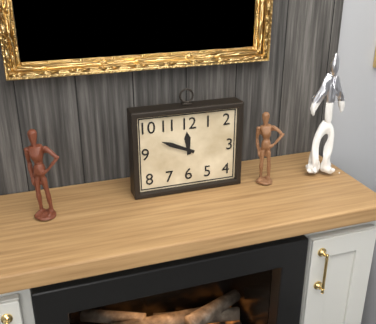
11:49
